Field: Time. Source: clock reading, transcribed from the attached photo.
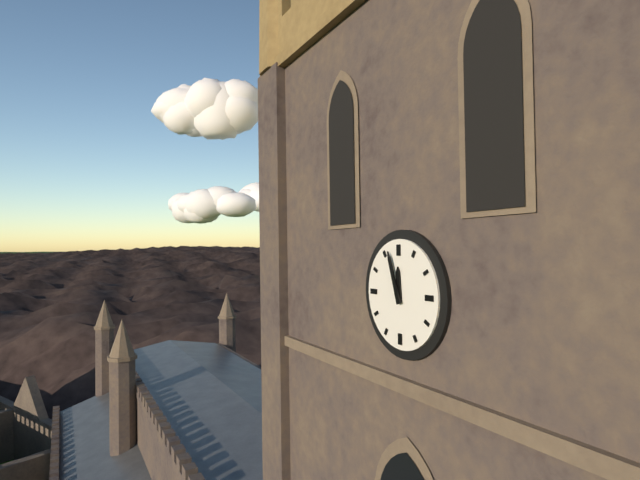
11:57
